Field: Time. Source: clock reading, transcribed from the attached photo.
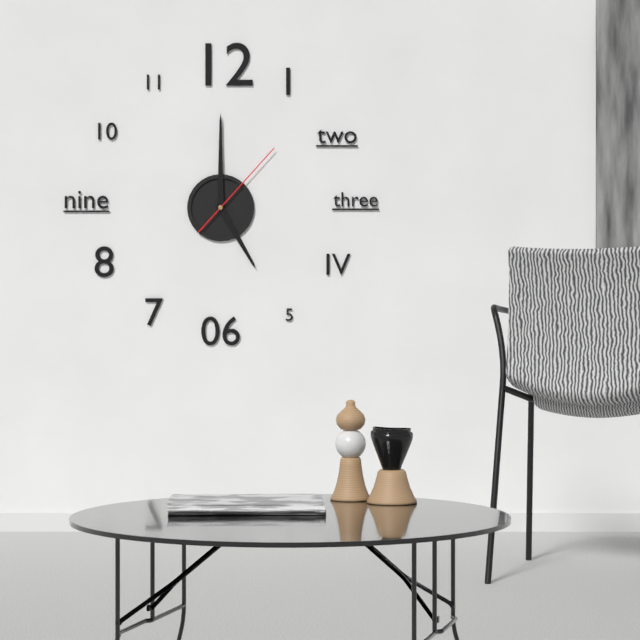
5:00:07
